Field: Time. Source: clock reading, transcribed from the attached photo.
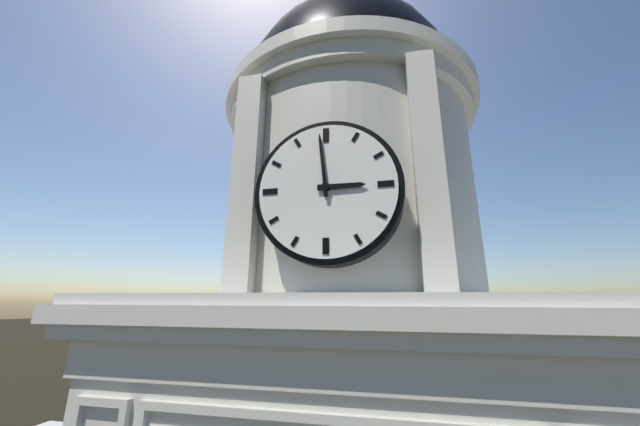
2:59
